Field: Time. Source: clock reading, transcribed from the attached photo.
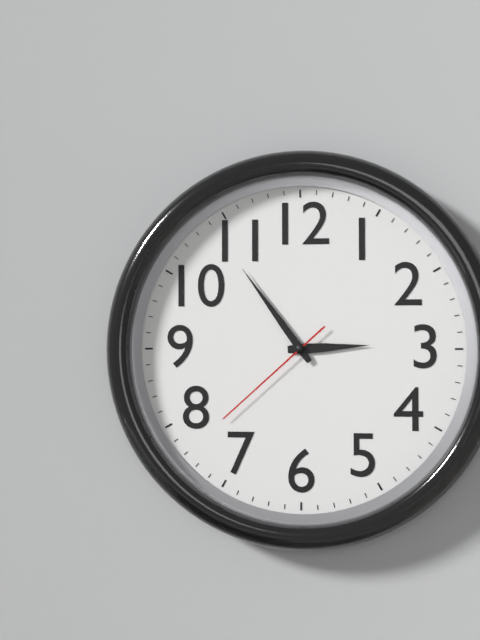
2:54:38
